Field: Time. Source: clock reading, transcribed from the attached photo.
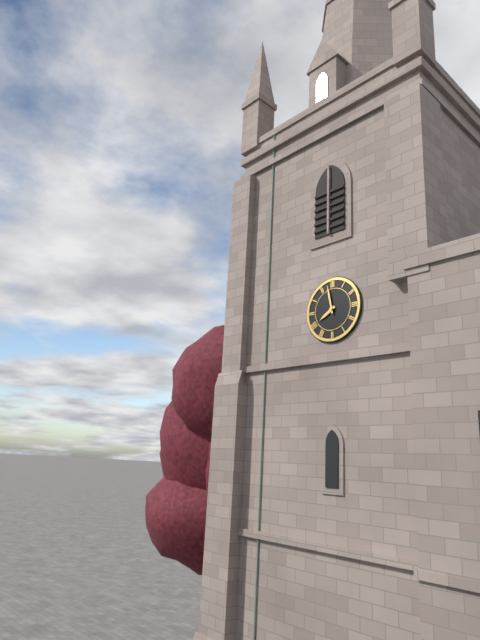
7:58
